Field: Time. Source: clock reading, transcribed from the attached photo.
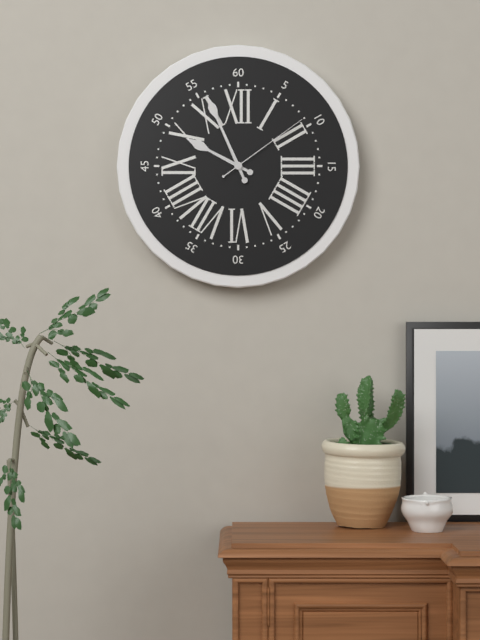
9:56:09
